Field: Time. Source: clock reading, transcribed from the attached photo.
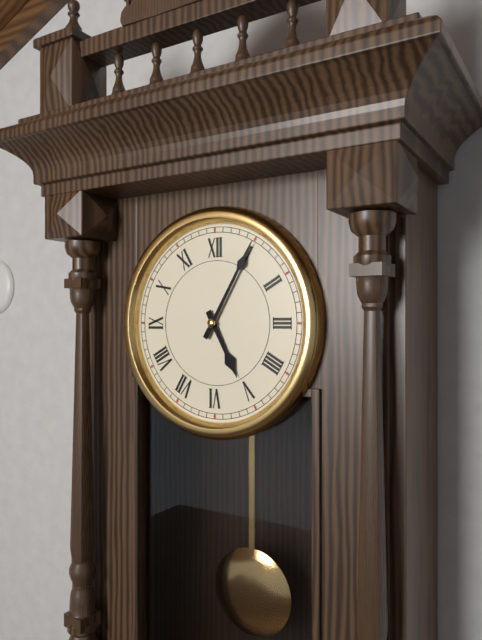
5:05
